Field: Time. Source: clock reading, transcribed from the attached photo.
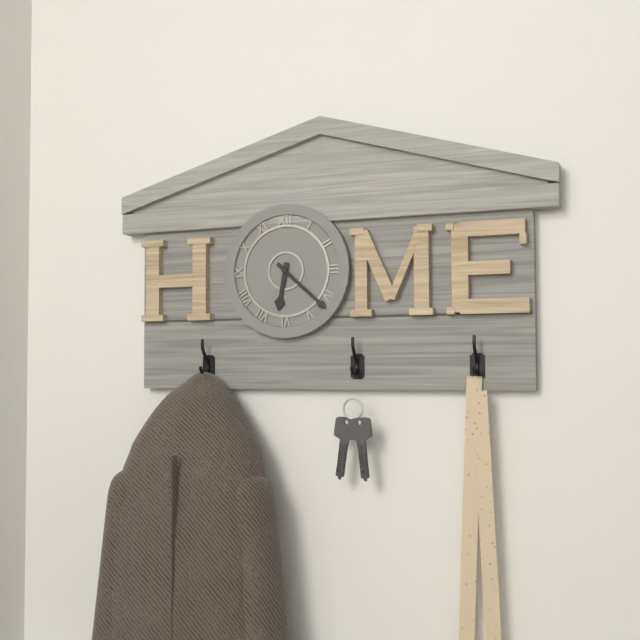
6:22
